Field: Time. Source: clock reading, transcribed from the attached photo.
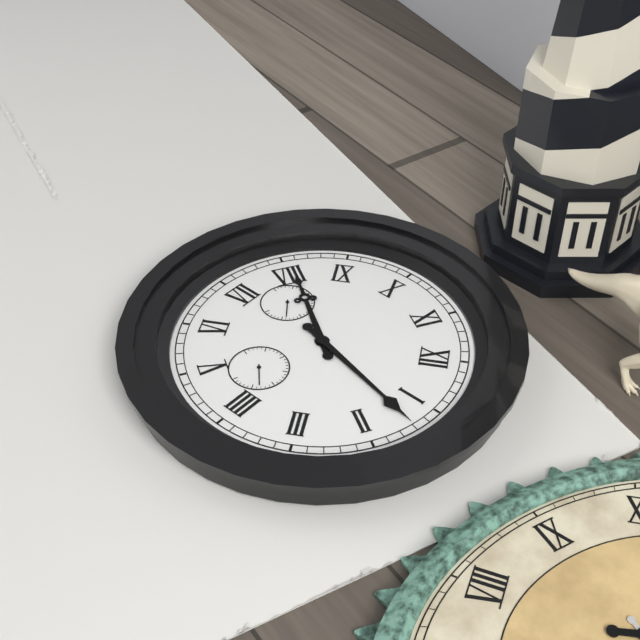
8:07
